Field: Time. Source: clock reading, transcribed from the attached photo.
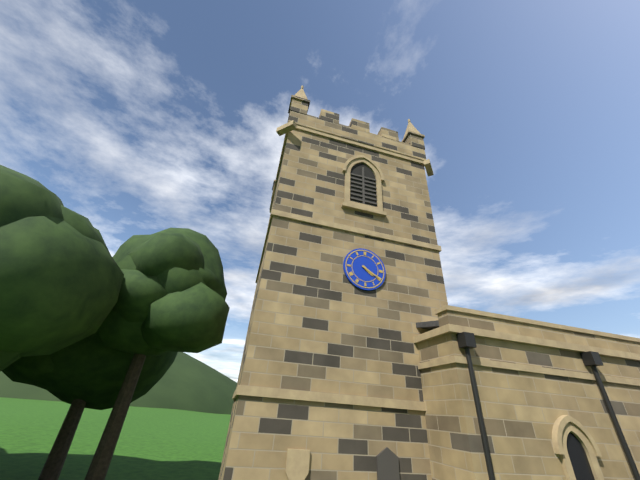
4:20
